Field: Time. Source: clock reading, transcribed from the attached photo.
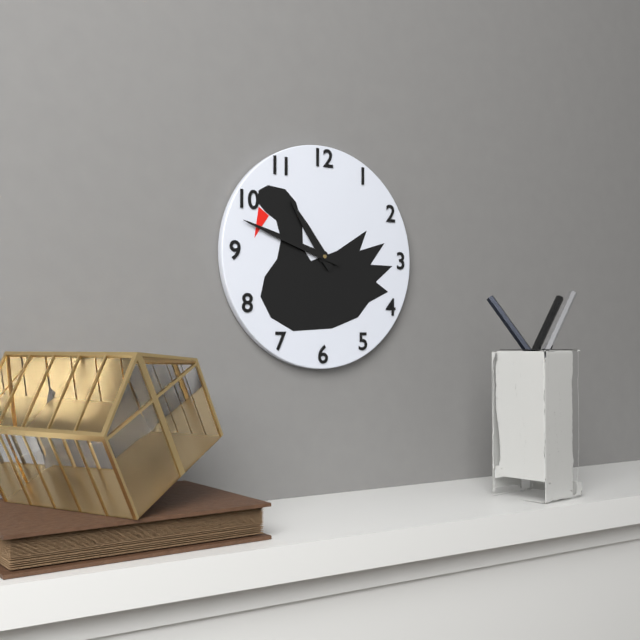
10:48
